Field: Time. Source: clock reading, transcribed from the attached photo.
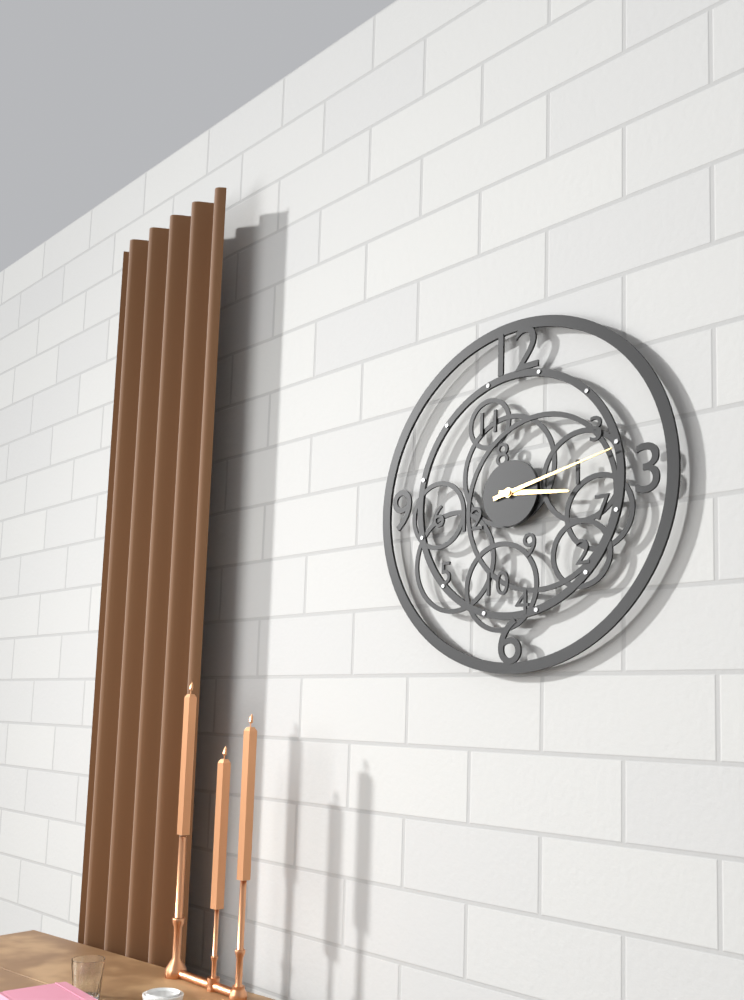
3:13
